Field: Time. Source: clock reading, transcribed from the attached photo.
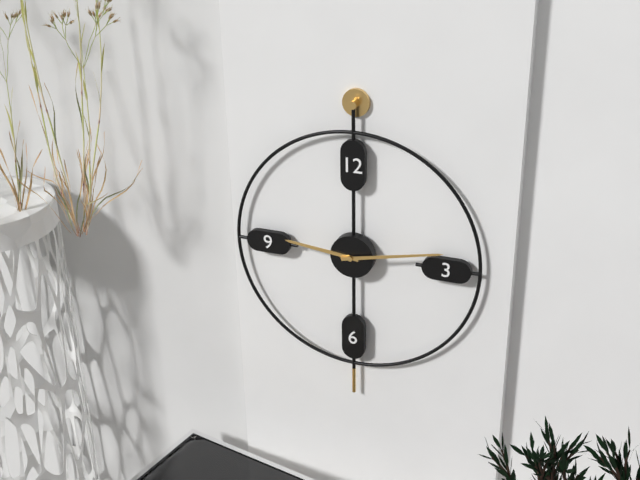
9:13
